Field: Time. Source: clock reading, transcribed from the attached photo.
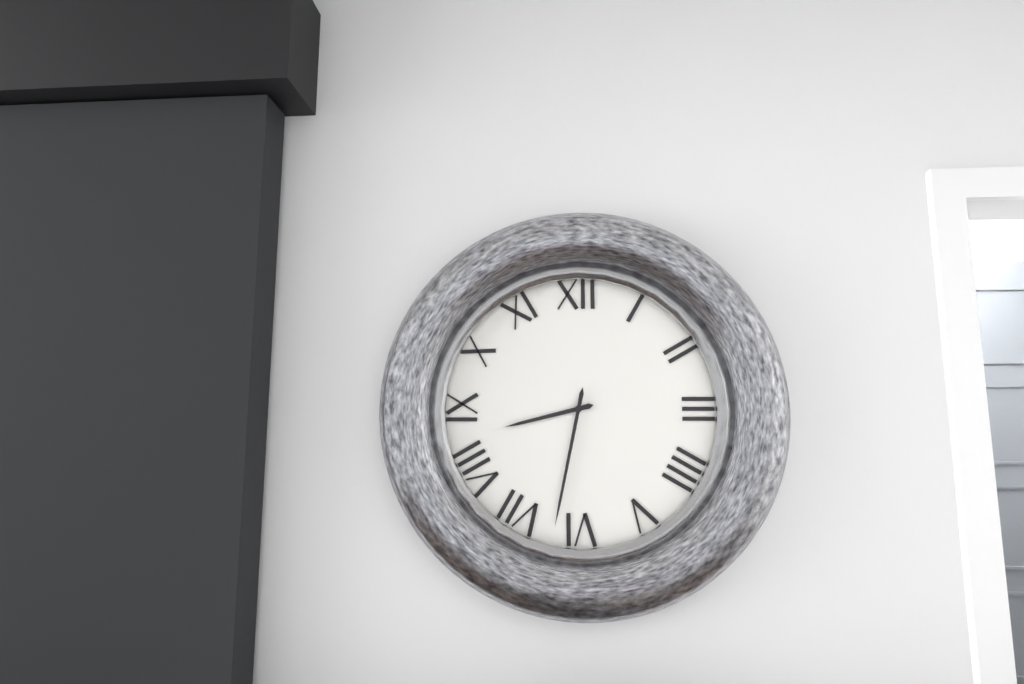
8:32
